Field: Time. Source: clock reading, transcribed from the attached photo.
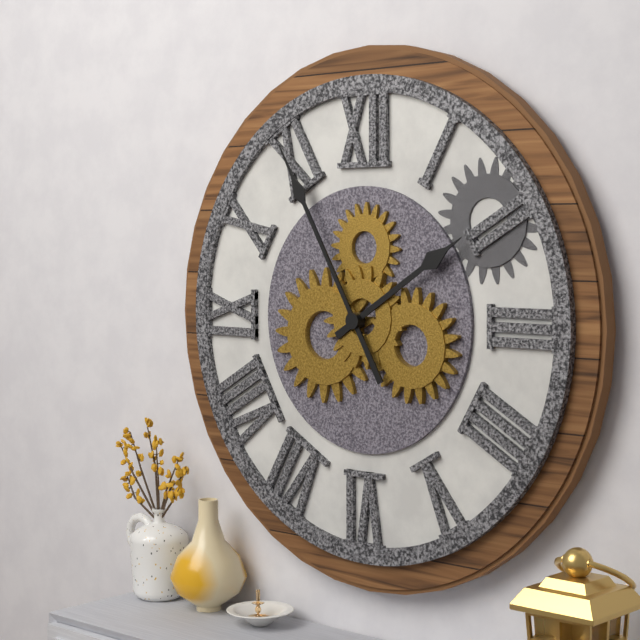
1:55
